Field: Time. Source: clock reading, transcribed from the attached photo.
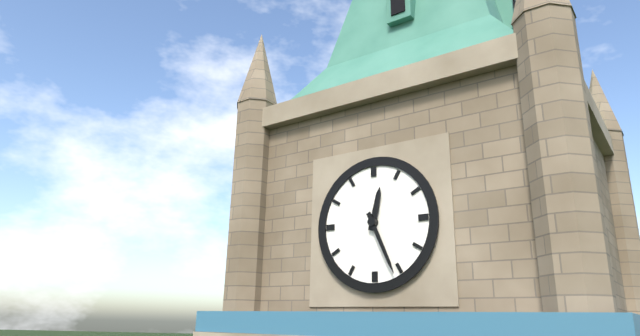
12:26
